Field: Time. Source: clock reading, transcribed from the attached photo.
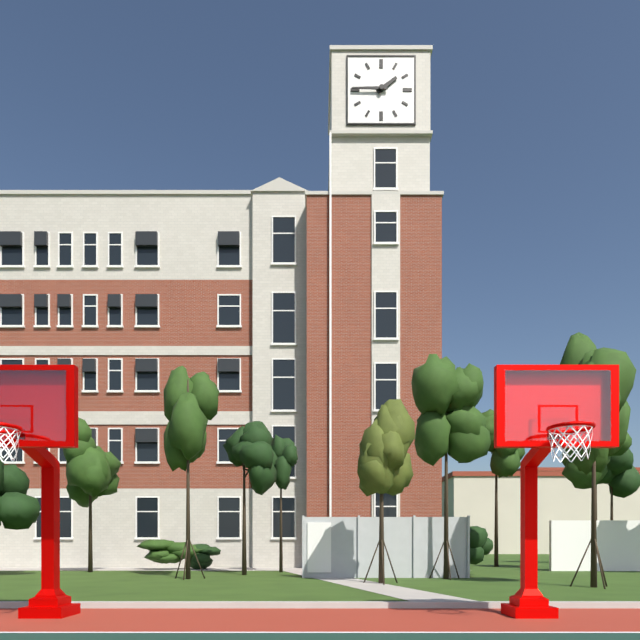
1:45
